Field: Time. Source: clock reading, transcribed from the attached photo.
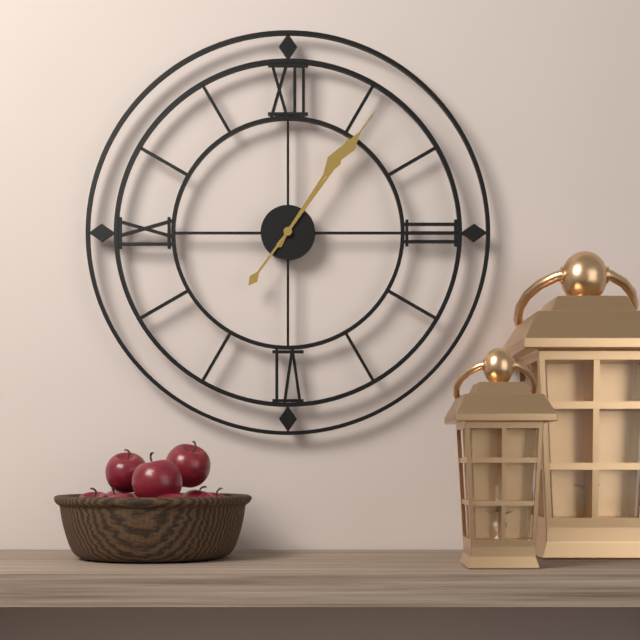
1:06
